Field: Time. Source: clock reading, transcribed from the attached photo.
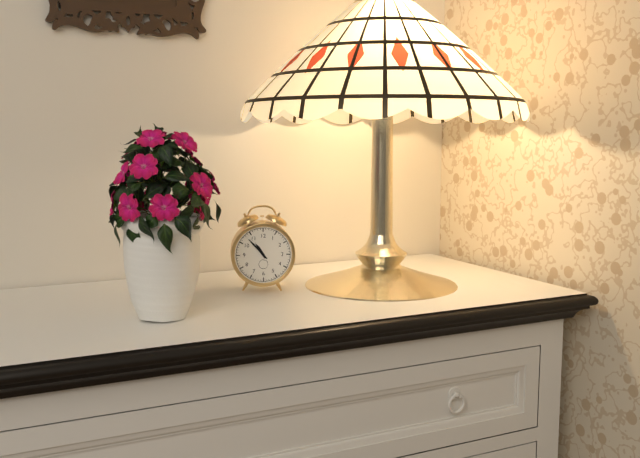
10:53
